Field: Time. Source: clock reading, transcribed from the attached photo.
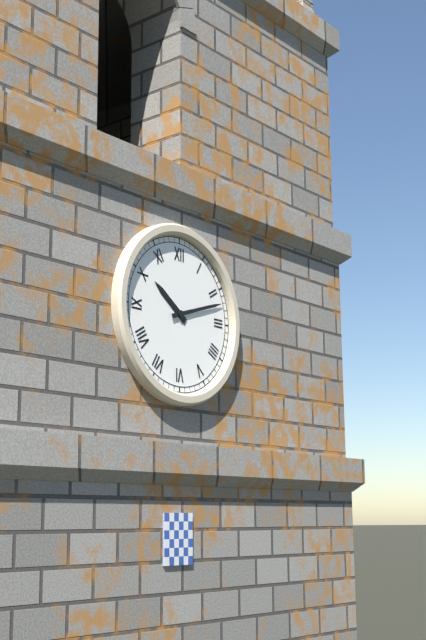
10:12
